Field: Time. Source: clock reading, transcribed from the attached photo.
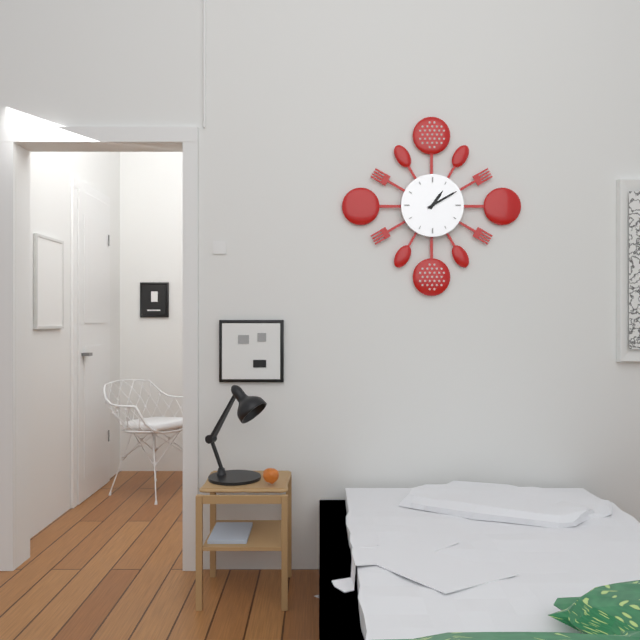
1:10
